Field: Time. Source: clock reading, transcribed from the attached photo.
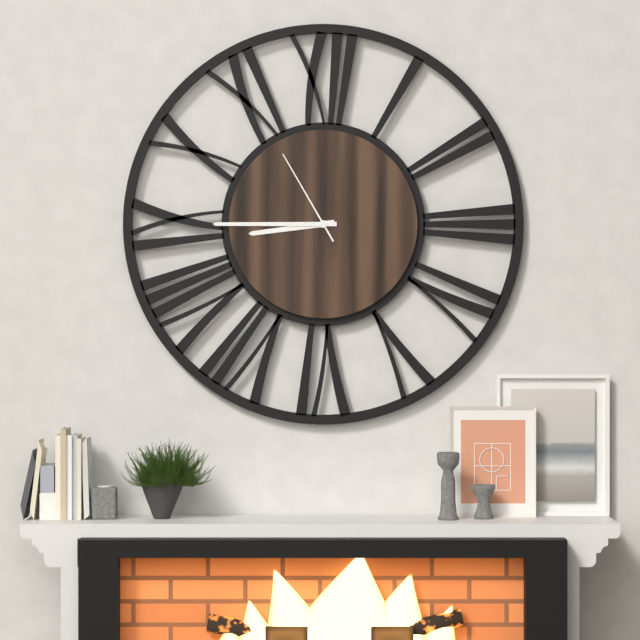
8:45:55
